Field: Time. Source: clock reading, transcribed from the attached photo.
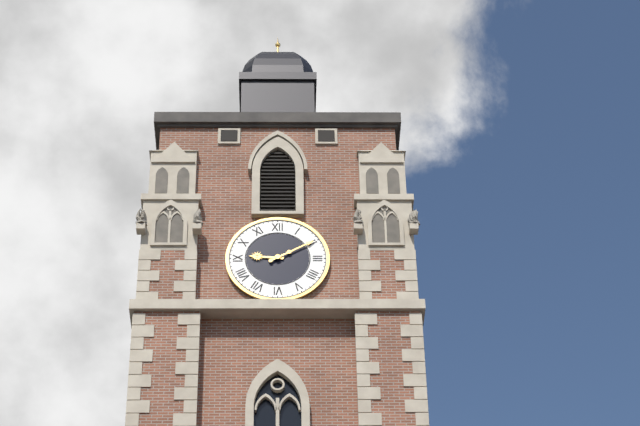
9:10
